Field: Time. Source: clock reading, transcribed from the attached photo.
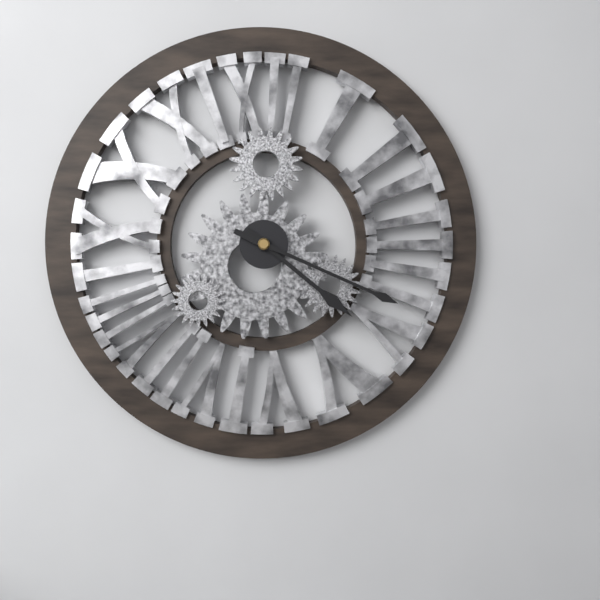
4:19
